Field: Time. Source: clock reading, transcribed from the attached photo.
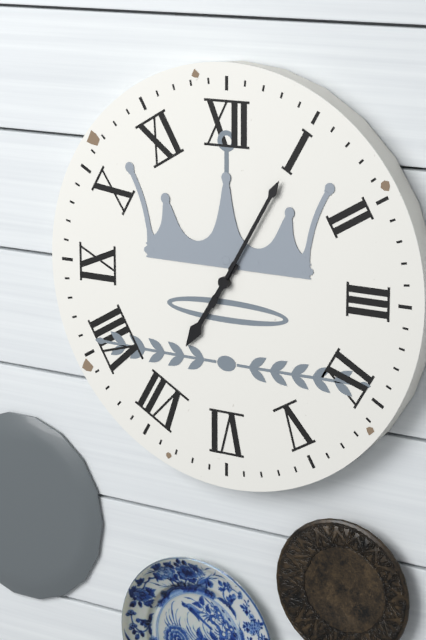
7:05
